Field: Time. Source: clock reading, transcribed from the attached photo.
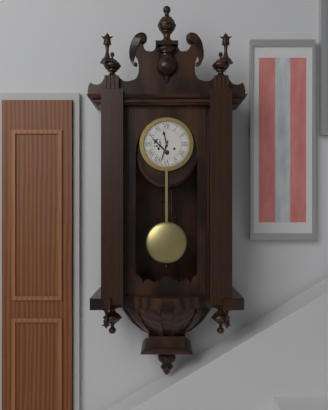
11:33
